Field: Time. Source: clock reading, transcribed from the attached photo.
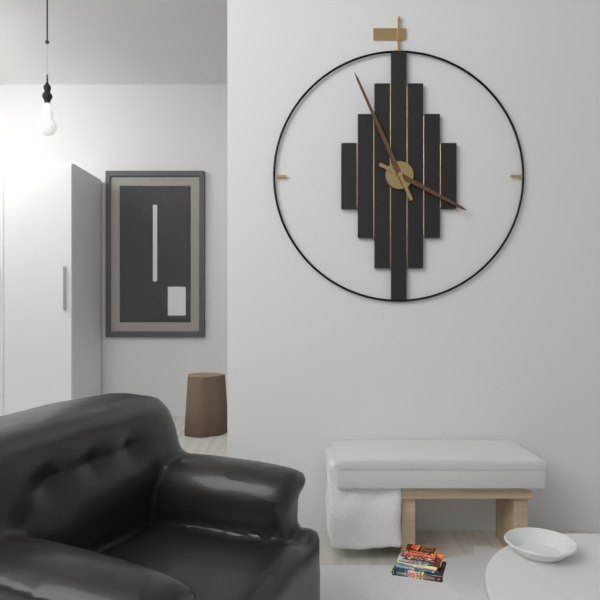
3:56
